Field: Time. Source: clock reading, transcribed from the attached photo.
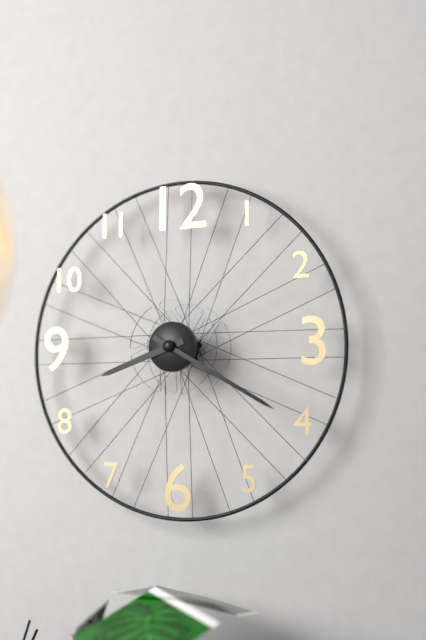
8:20
